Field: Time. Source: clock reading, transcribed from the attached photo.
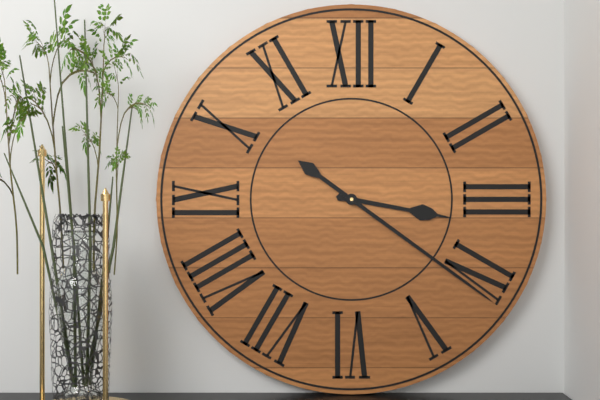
3:21
